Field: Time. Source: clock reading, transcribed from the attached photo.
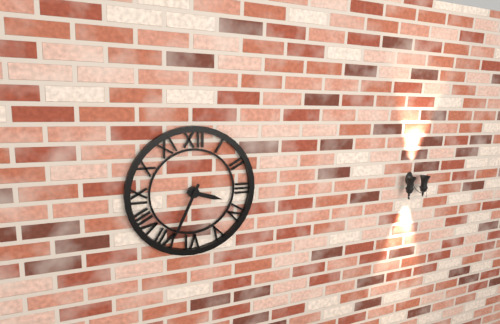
3:34
